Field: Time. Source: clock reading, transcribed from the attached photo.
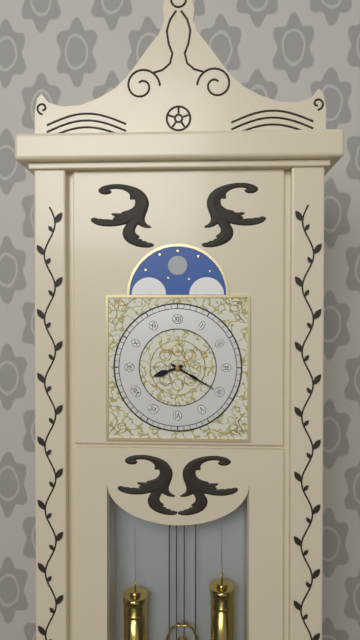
8:20
